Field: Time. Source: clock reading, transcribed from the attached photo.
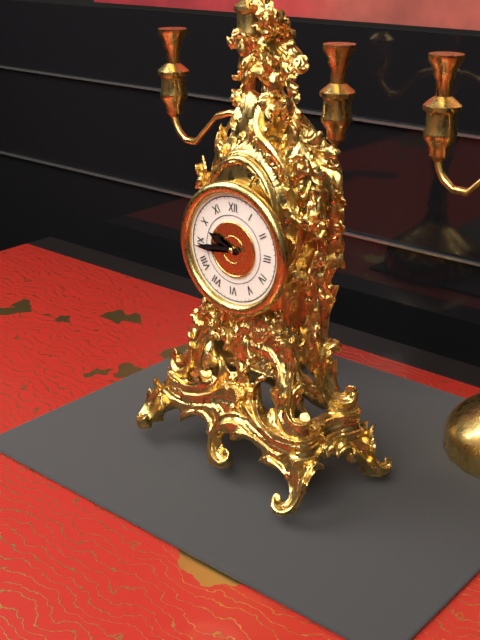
9:44
